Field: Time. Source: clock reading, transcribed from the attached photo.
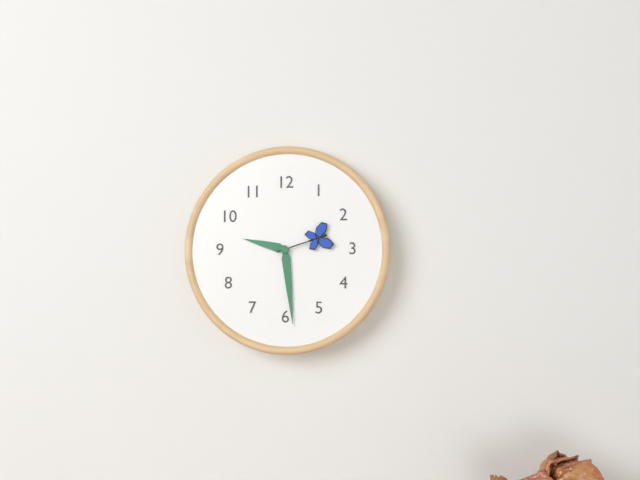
9:29:12
